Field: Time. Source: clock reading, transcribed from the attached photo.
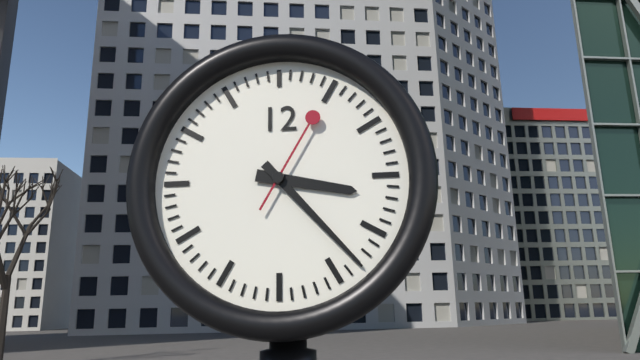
3:23:05
